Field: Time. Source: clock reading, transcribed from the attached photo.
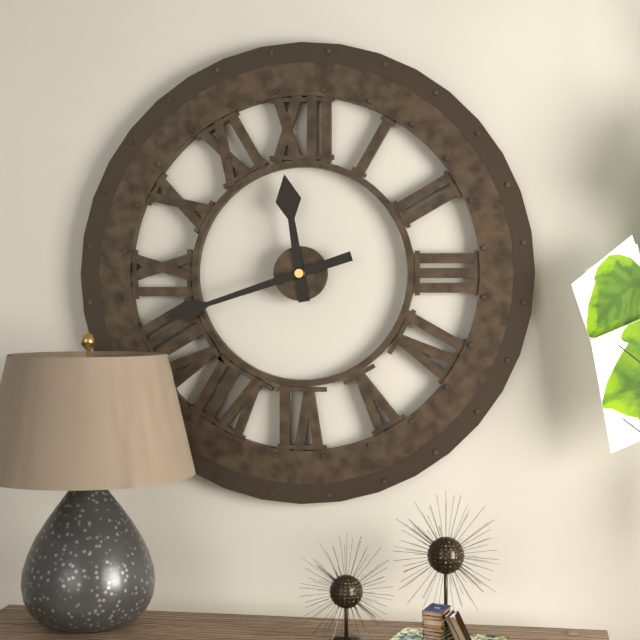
11:42
